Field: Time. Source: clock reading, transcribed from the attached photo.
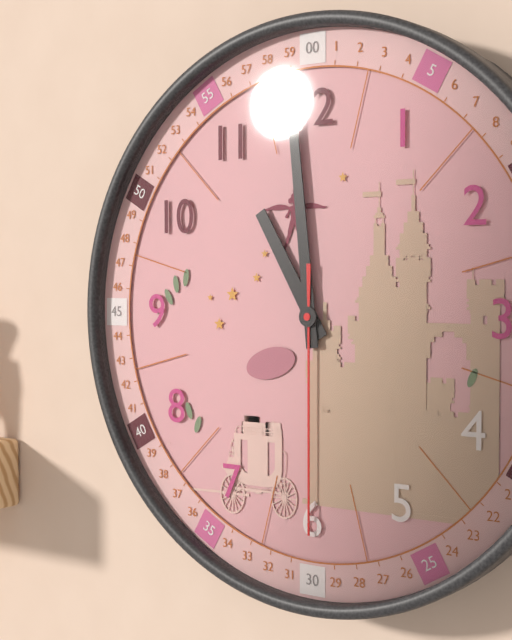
10:59:30
